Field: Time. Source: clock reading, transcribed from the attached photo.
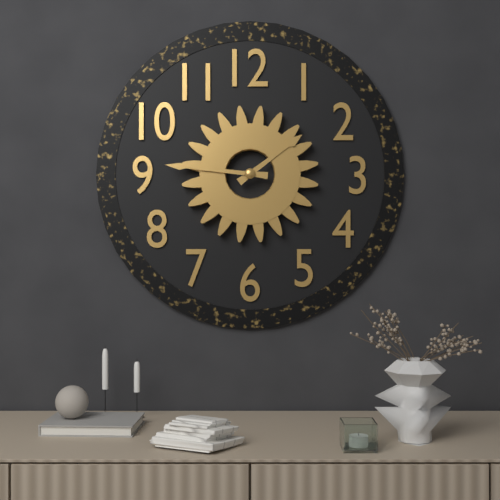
1:46
